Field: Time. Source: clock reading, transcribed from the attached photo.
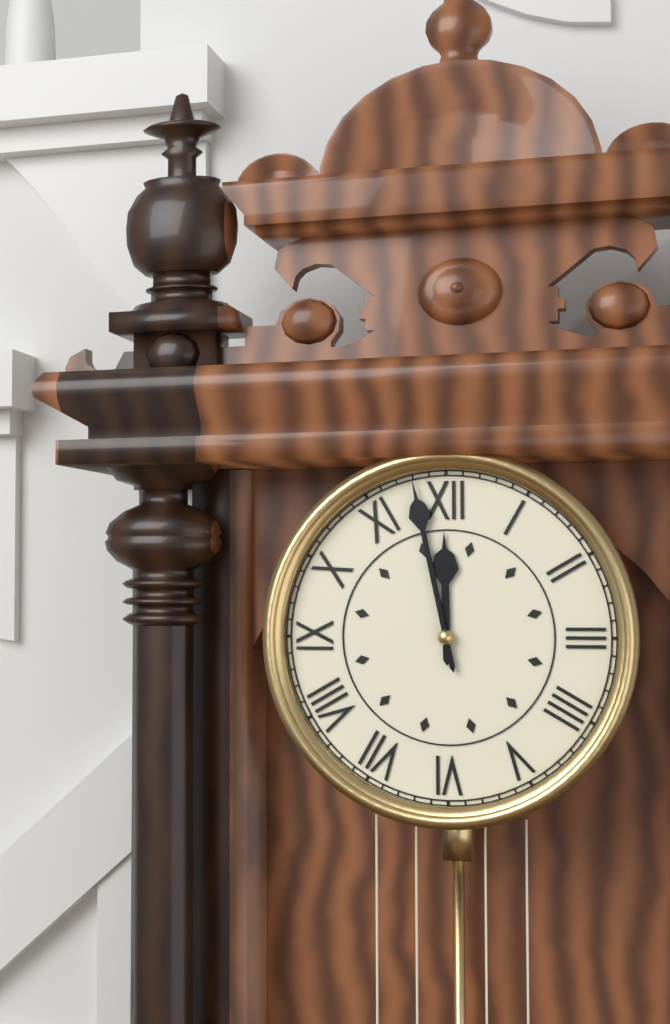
11:58
